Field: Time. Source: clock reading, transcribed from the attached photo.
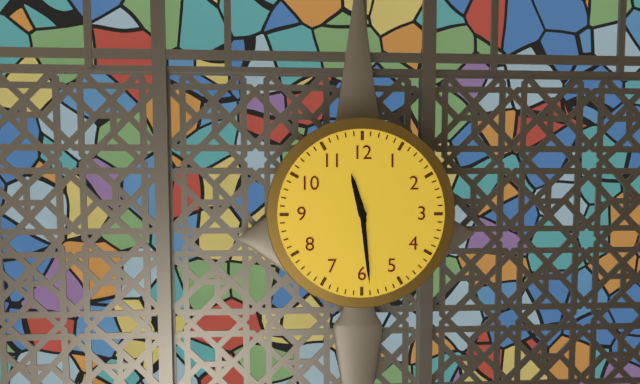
11:29
